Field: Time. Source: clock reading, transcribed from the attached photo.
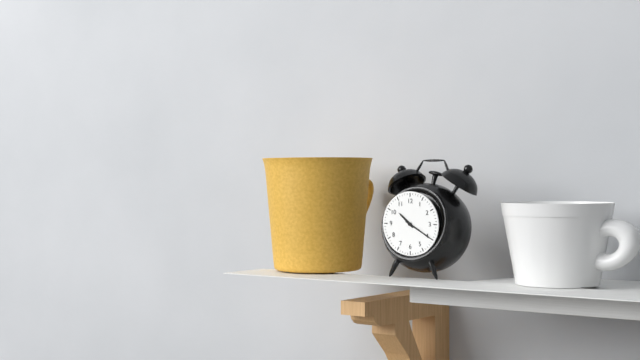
10:20
